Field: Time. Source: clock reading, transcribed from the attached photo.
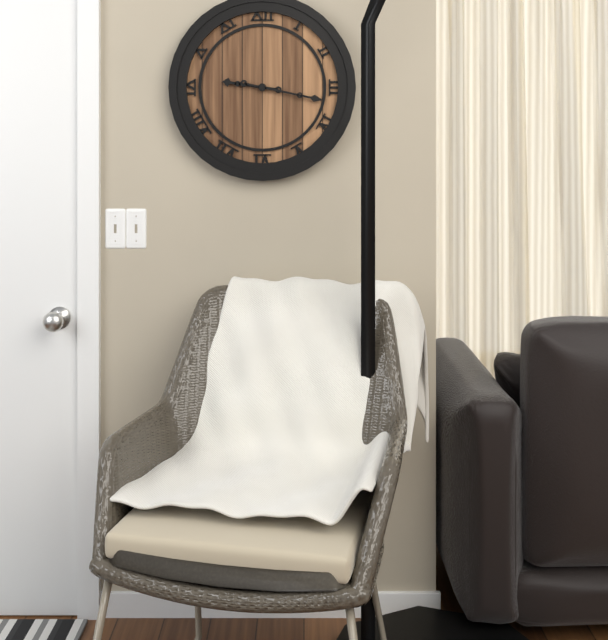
9:17
